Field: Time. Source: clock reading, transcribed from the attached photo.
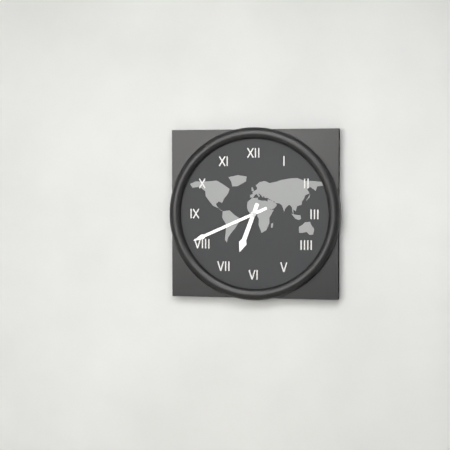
6:41
